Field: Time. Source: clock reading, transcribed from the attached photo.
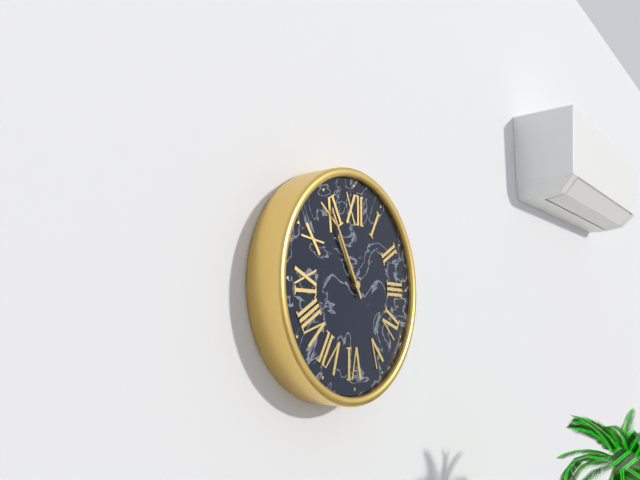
10:55
